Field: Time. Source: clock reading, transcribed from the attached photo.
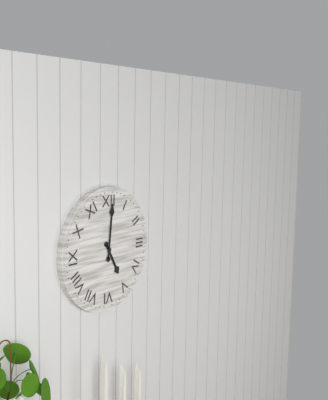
5:01
